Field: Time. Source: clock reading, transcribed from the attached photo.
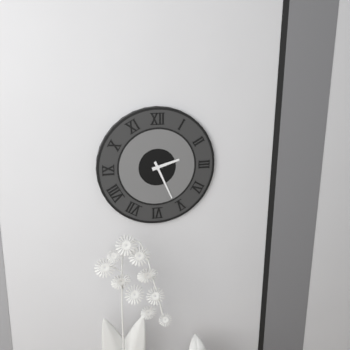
2:26
